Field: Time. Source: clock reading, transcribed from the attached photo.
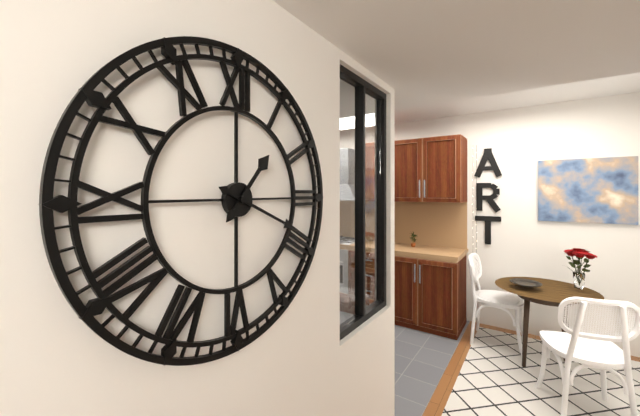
1:19
